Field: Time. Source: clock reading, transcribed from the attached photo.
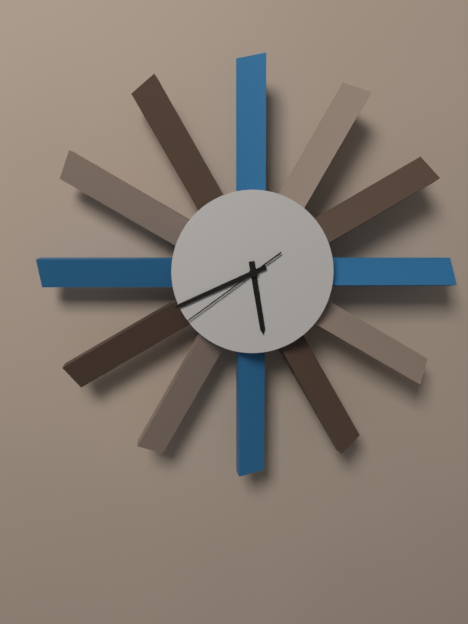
5:41:39
